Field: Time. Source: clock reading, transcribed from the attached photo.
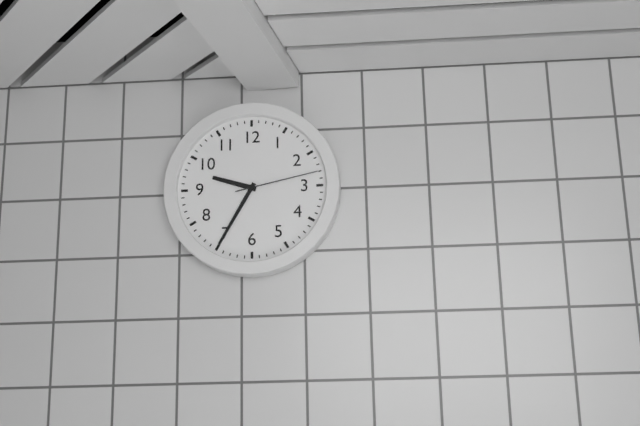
9:35:13
